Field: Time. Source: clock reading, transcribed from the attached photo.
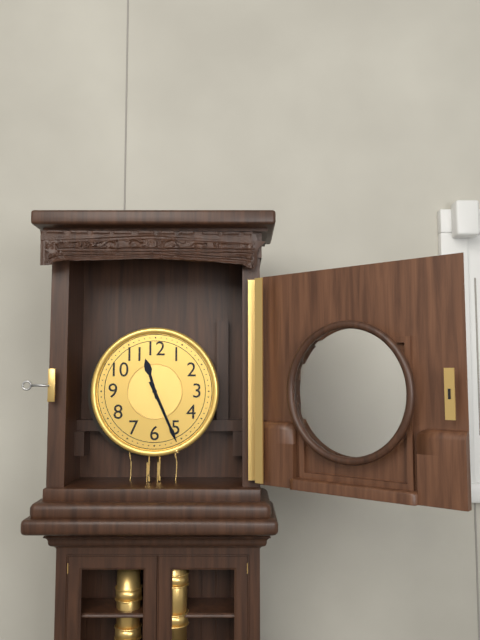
11:26
